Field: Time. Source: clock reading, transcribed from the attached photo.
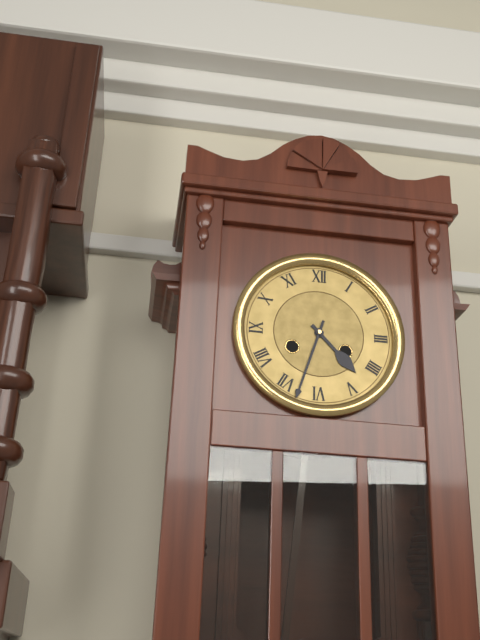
4:33
